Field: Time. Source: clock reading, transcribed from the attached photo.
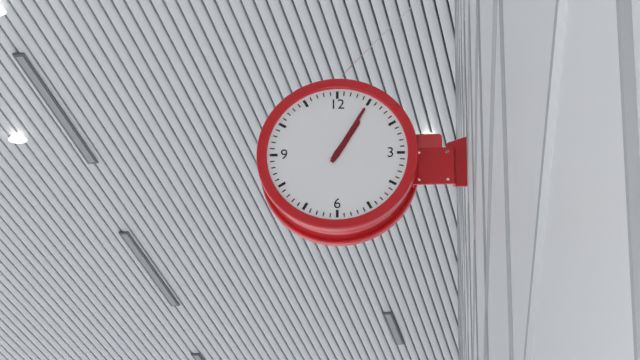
1:05
